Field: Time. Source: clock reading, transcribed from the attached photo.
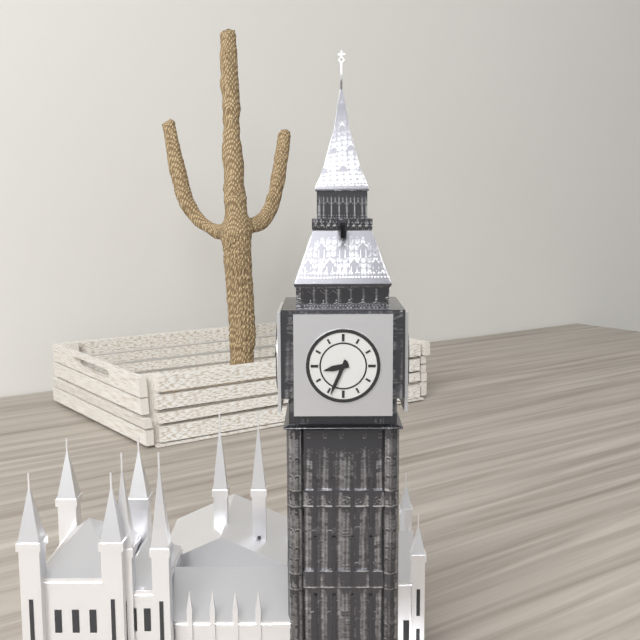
8:34
